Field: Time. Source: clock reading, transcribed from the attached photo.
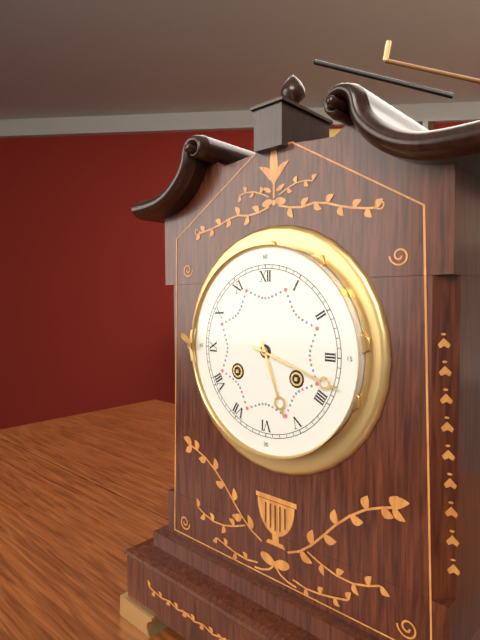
5:18
